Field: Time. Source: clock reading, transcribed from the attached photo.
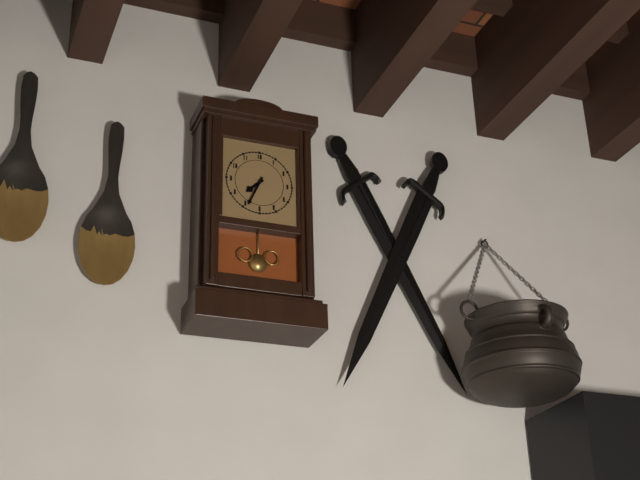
7:34
